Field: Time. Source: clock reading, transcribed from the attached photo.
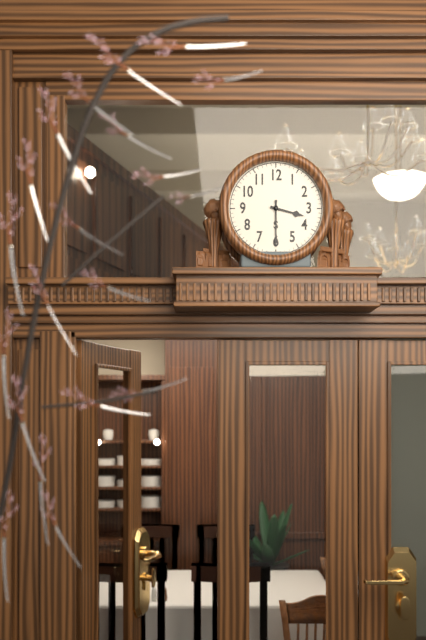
3:30
